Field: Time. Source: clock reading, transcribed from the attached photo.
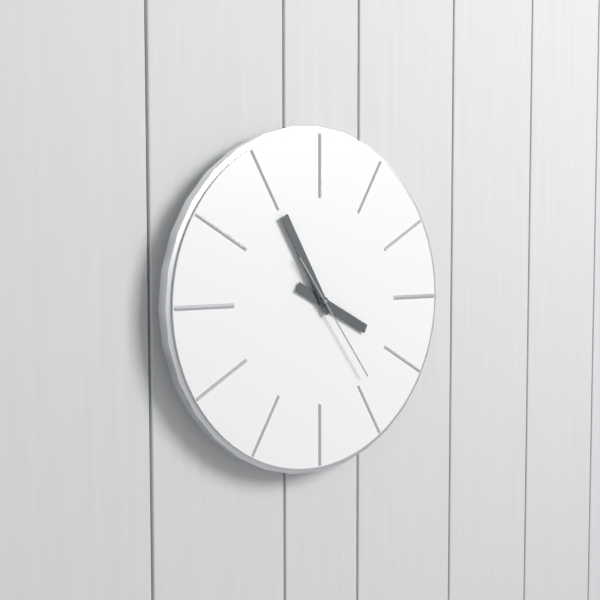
3:55:24
